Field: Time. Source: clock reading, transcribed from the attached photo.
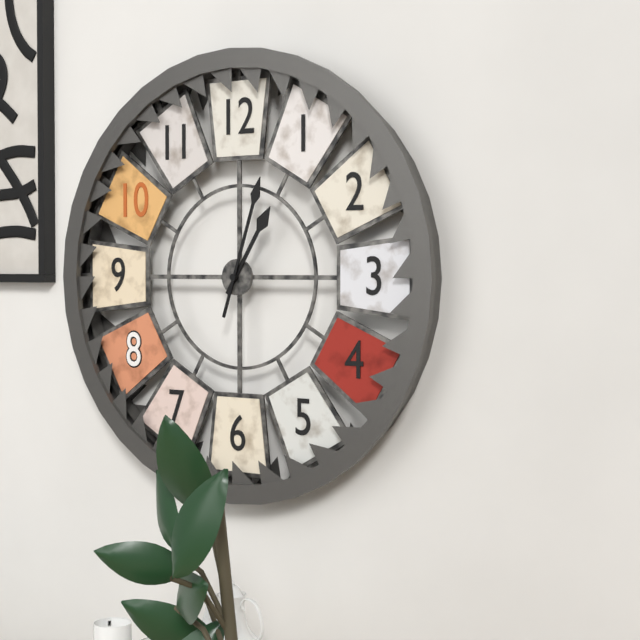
1:03
